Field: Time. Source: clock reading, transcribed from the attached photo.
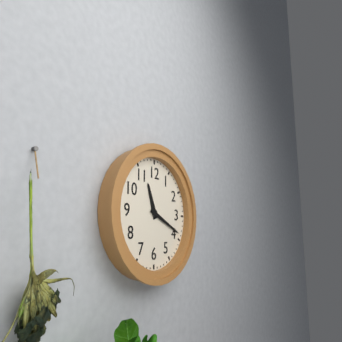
11:19
